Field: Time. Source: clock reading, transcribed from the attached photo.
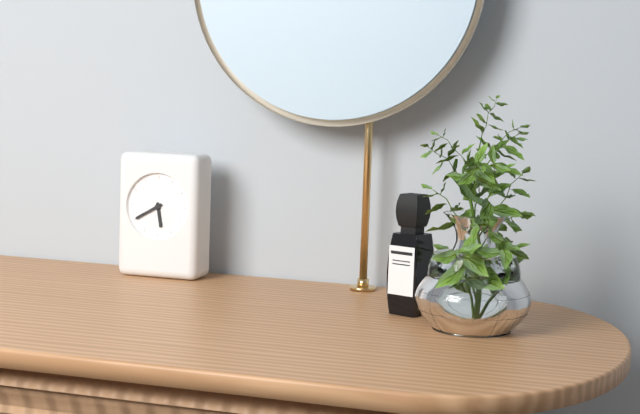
5:40
